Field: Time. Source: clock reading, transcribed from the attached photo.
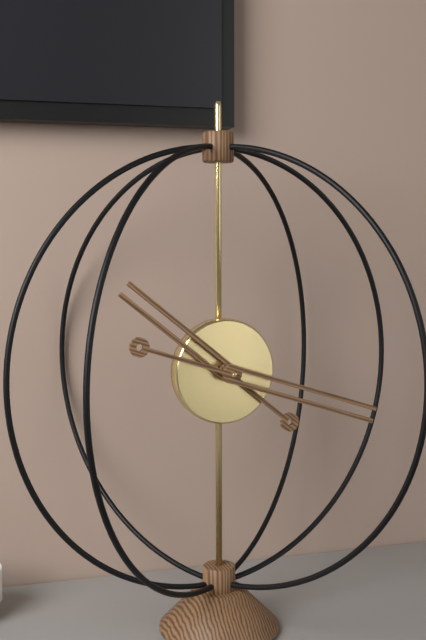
10:18
